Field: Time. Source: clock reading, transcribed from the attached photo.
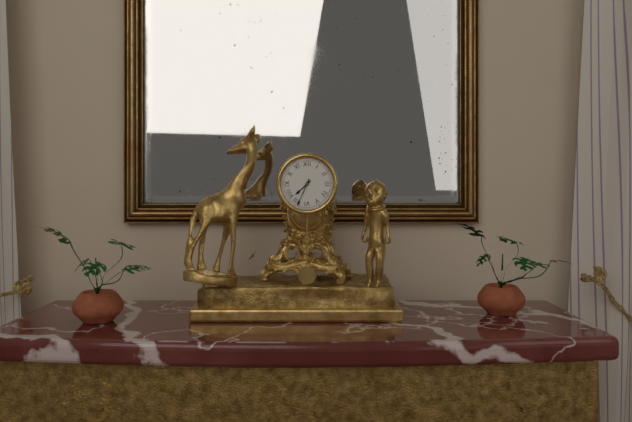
7:34
